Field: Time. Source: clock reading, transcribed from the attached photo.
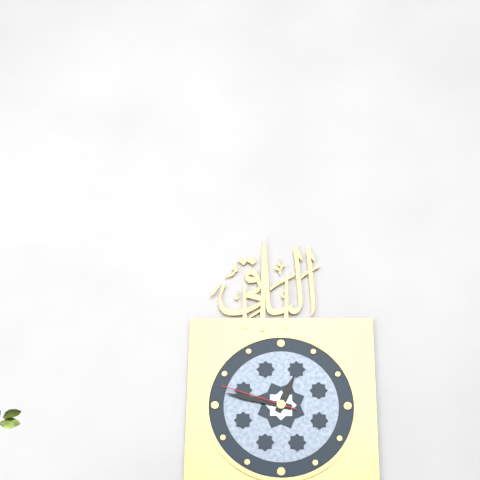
12:47:48
